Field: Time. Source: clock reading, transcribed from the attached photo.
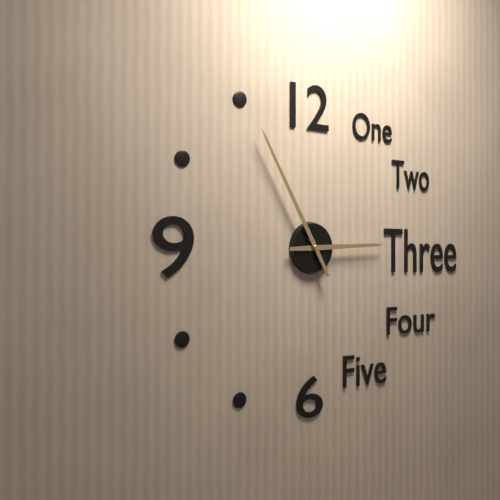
2:55
